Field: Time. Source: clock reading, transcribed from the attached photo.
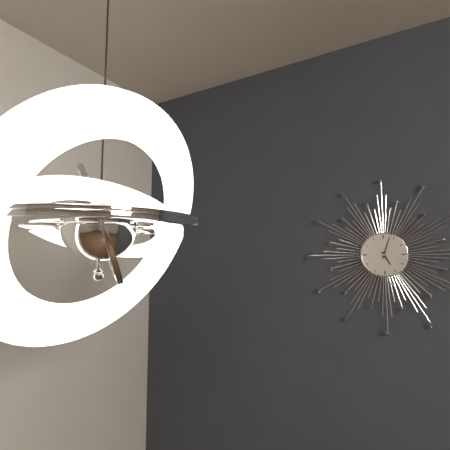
5:03
